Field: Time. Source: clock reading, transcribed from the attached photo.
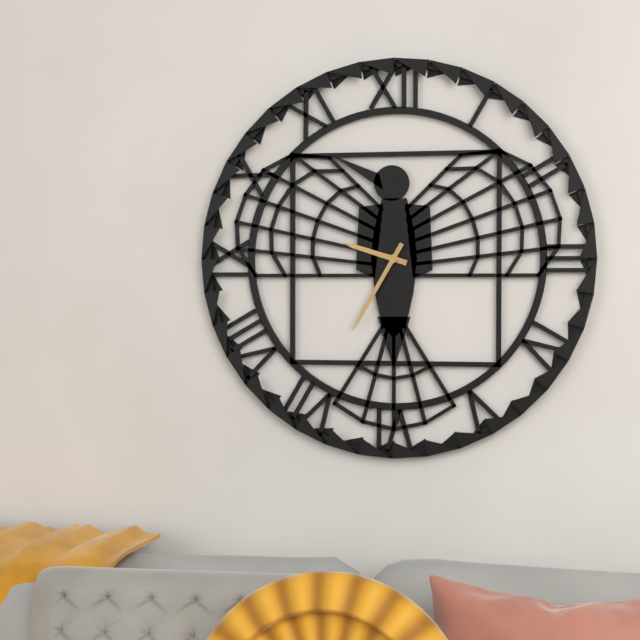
9:35
